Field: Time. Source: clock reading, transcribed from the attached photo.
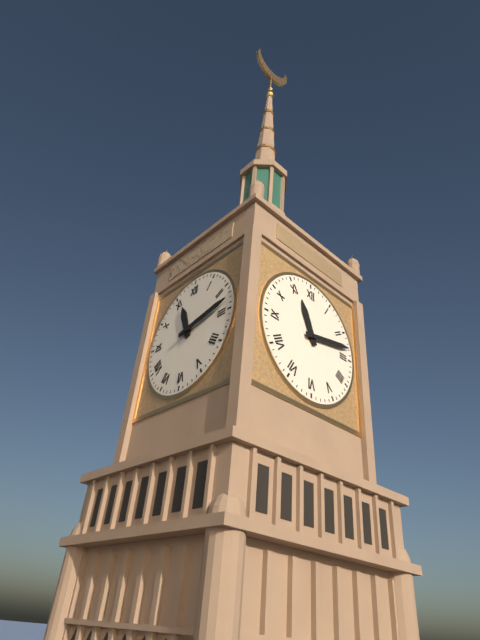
11:13
